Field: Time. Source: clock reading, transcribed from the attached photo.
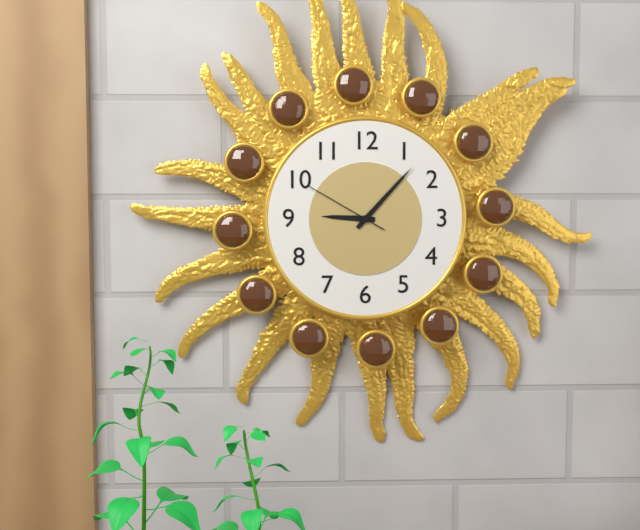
9:07:50
